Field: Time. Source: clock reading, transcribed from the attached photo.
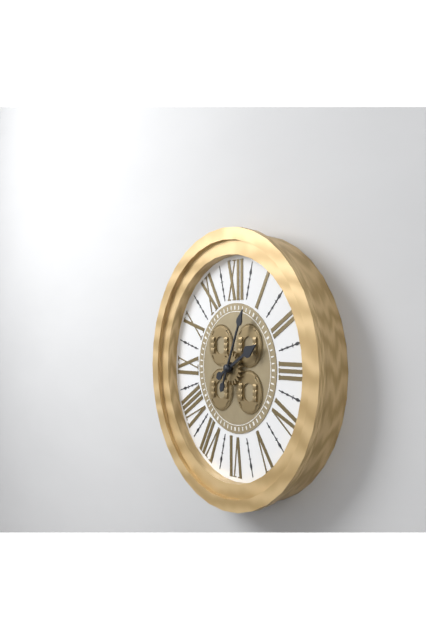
2:04
